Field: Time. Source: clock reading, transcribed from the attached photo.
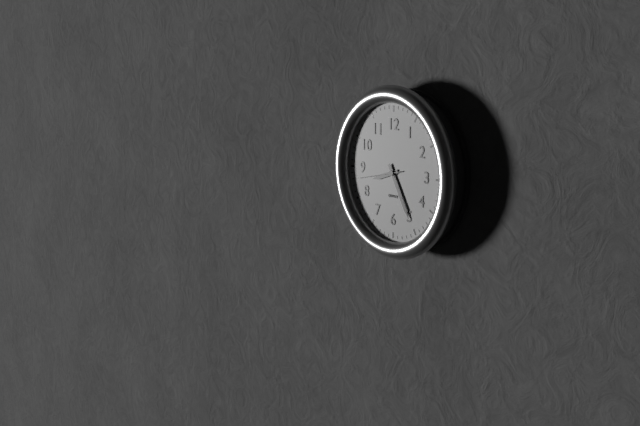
8:25
